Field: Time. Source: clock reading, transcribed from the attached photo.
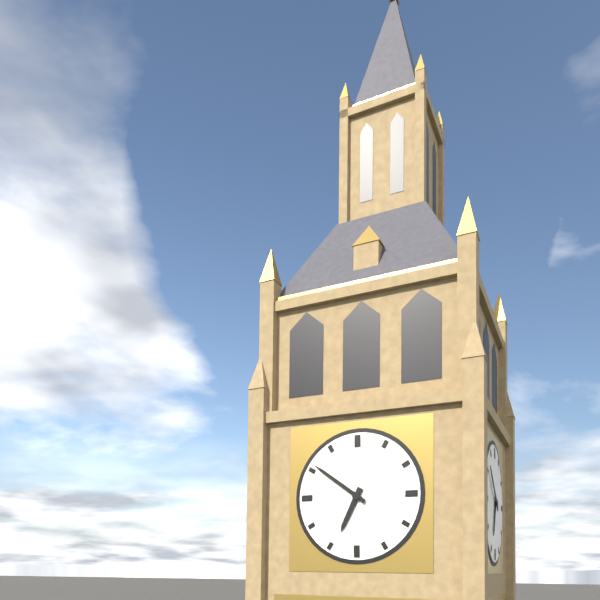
6:51
